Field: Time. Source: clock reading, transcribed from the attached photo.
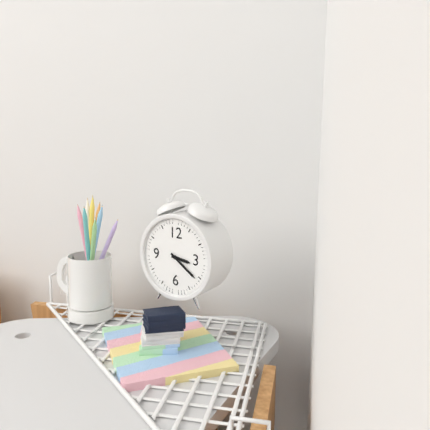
3:21
